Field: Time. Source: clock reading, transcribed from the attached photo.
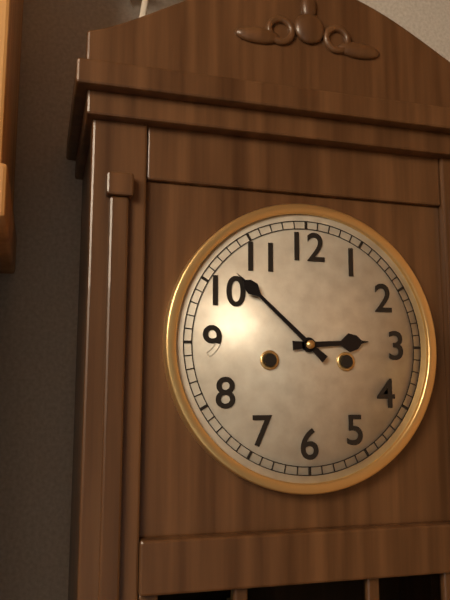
2:52
